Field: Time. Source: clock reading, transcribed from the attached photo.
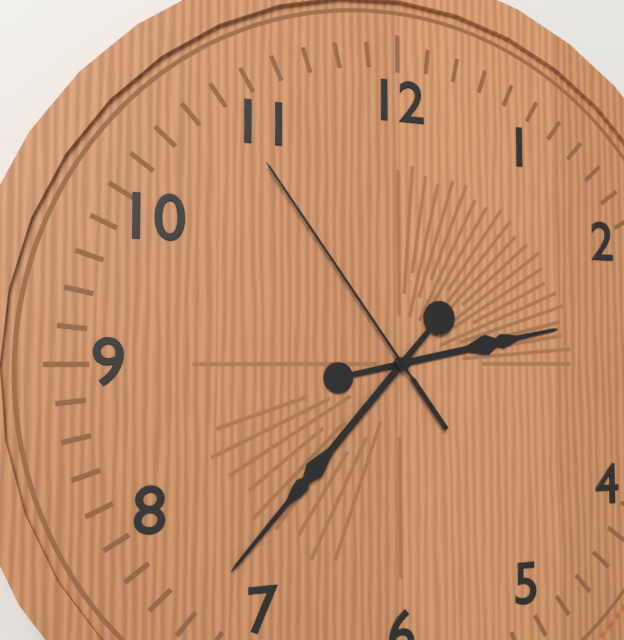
2:37:54
